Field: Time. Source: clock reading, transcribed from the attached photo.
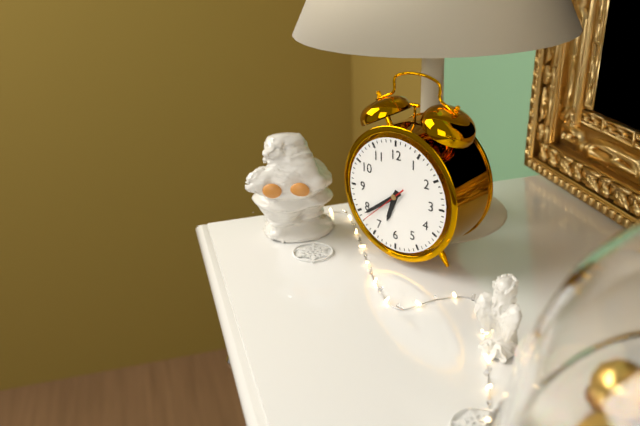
6:39
